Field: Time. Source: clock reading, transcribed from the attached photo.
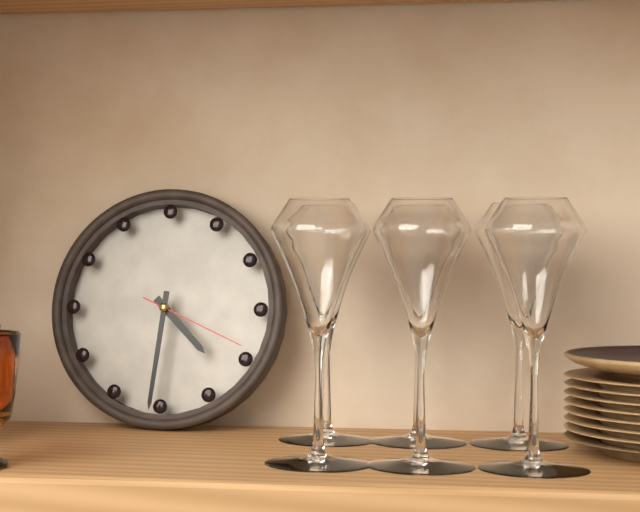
4:31:19
